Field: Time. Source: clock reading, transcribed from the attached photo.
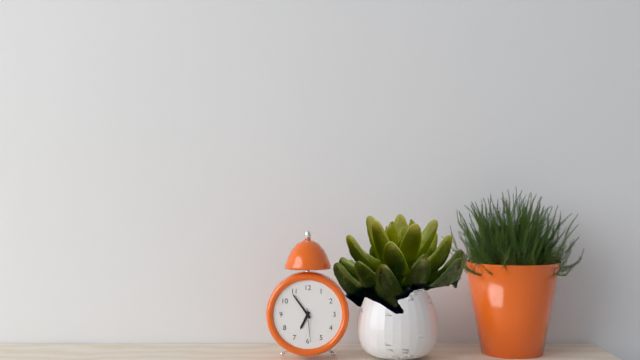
6:54
